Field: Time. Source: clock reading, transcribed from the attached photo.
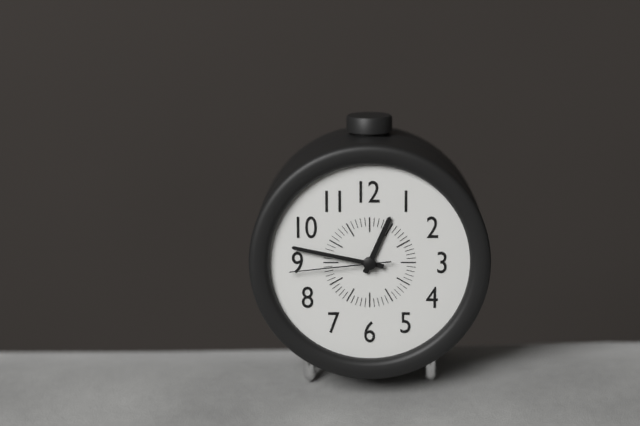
12:47:44
